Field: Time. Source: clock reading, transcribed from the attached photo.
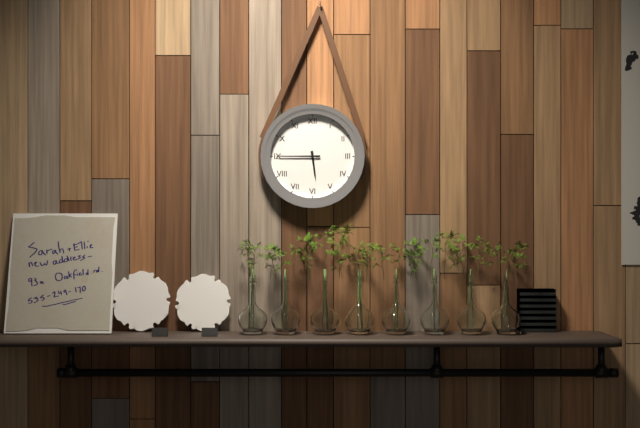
5:45
